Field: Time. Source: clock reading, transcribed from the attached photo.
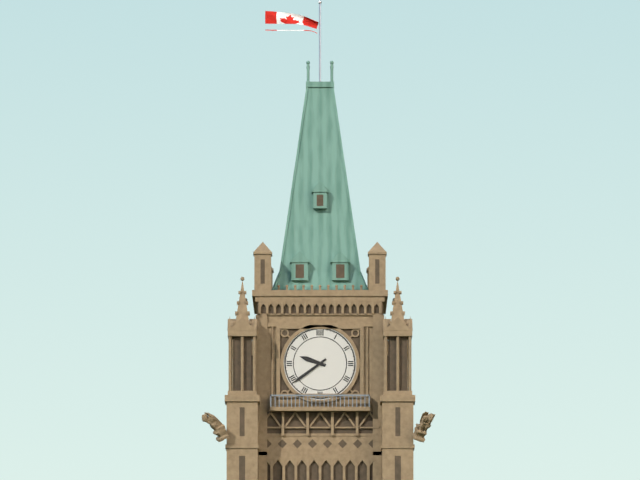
9:39
